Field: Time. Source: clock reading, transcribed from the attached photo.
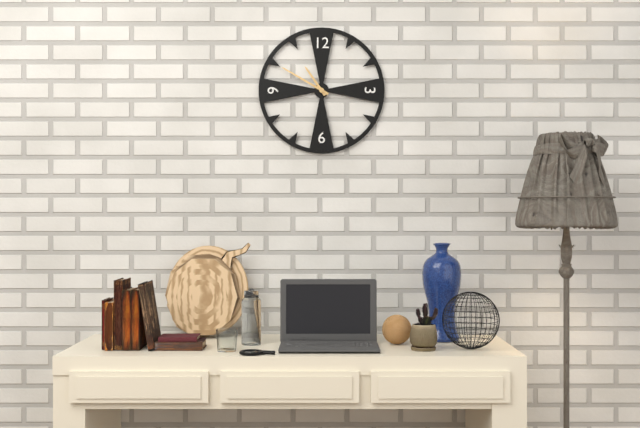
10:50
